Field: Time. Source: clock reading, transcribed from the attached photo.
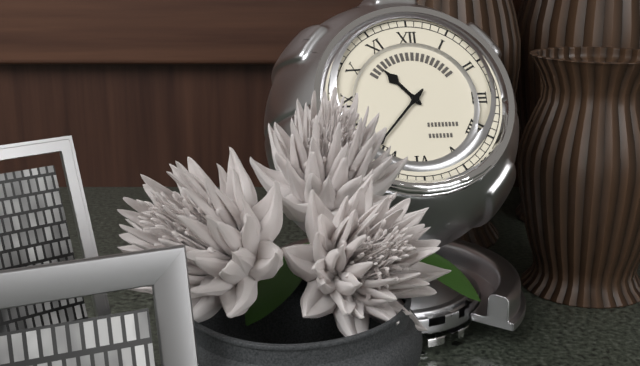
10:37
